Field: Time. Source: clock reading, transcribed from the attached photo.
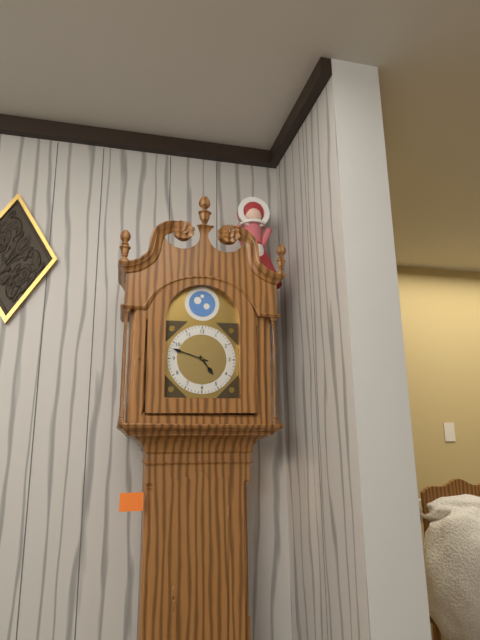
4:48
